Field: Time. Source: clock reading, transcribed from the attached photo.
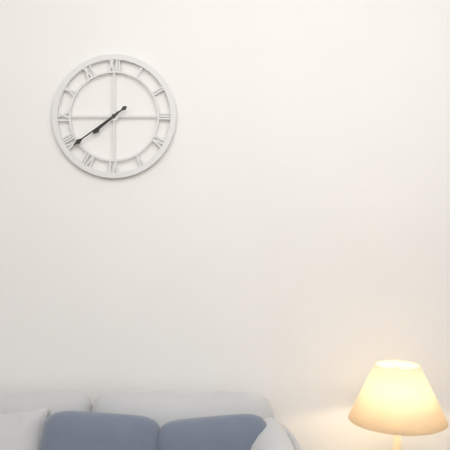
7:39
